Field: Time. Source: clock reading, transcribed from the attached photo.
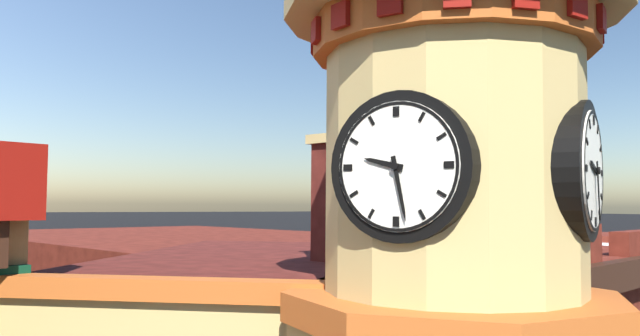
9:28
